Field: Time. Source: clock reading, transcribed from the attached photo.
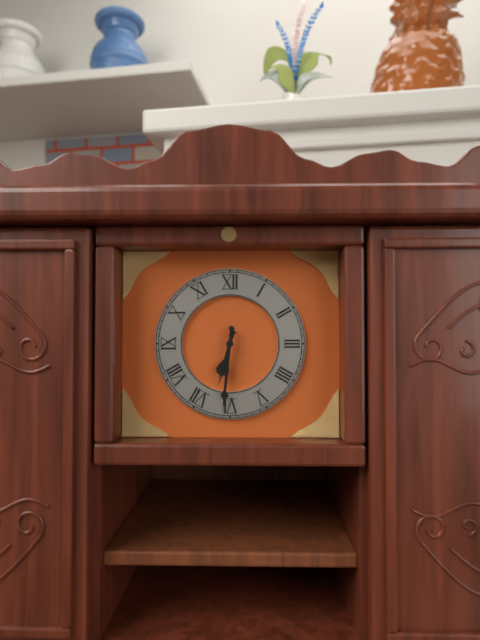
6:31
